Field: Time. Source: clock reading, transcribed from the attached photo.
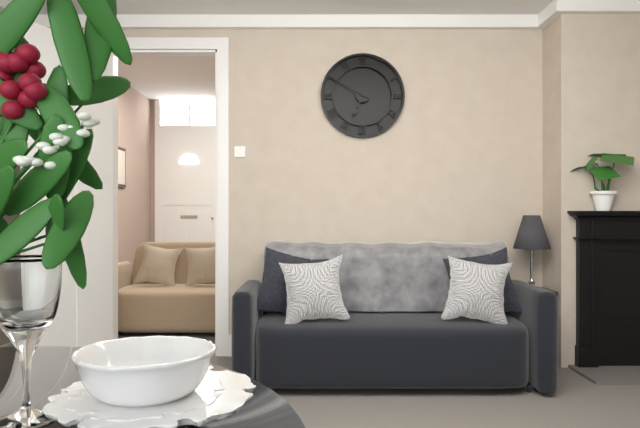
6:50
